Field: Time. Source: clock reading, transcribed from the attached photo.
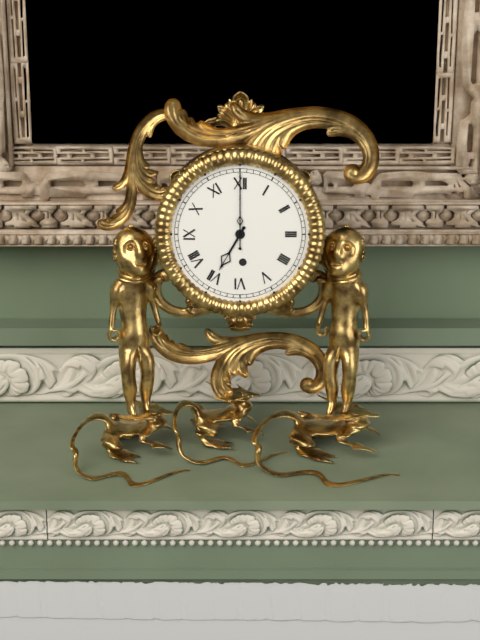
7:00
